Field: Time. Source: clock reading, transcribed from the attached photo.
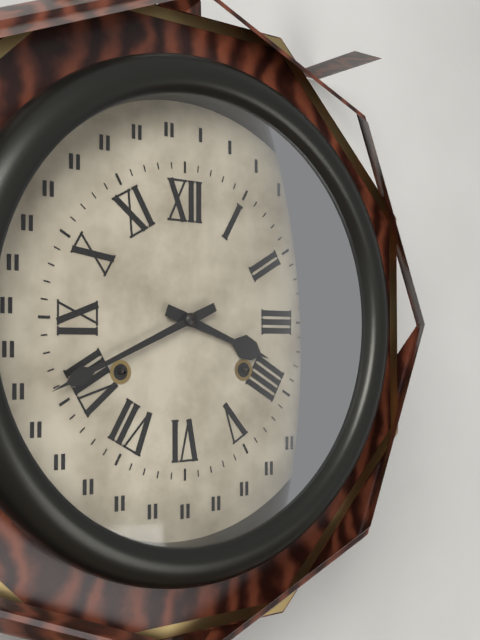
3:41
